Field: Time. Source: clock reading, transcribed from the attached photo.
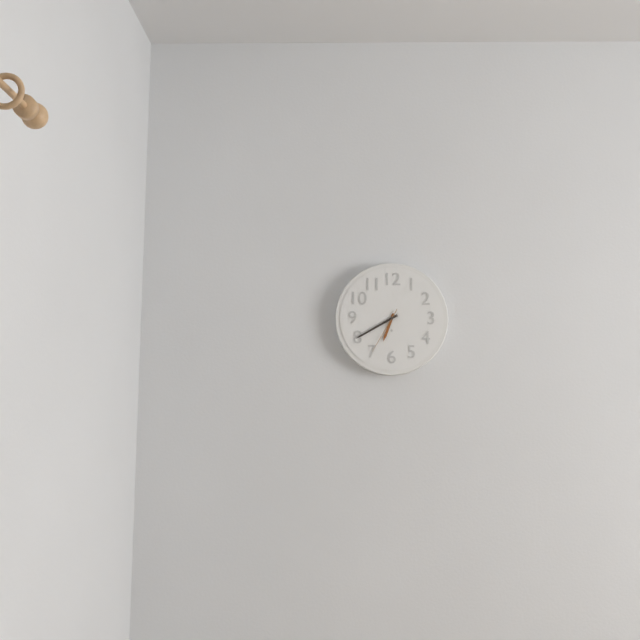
6:40
